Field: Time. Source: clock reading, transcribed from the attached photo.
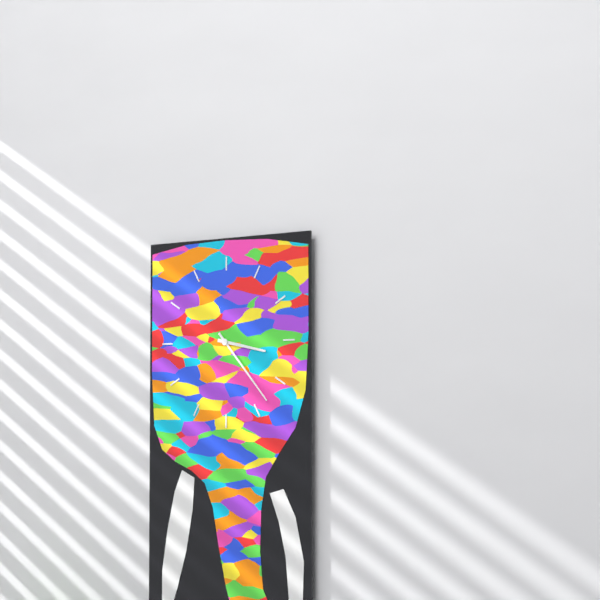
3:23
